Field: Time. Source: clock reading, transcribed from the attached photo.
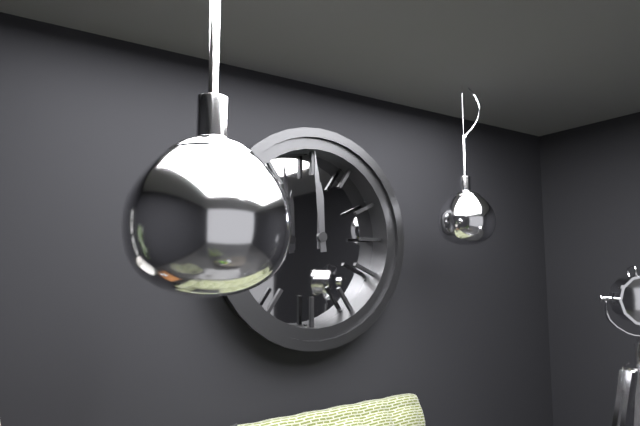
11:59
